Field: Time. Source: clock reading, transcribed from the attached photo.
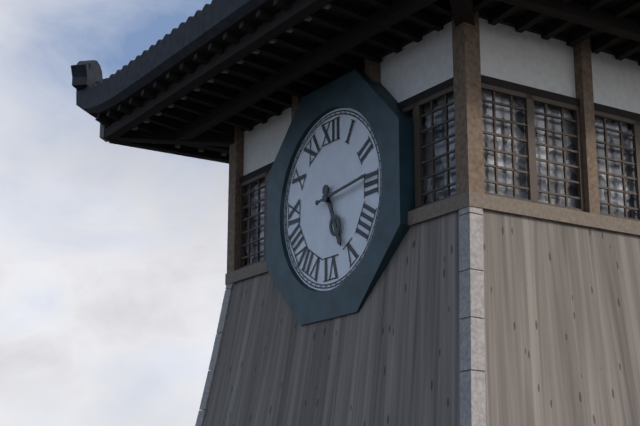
5:14
